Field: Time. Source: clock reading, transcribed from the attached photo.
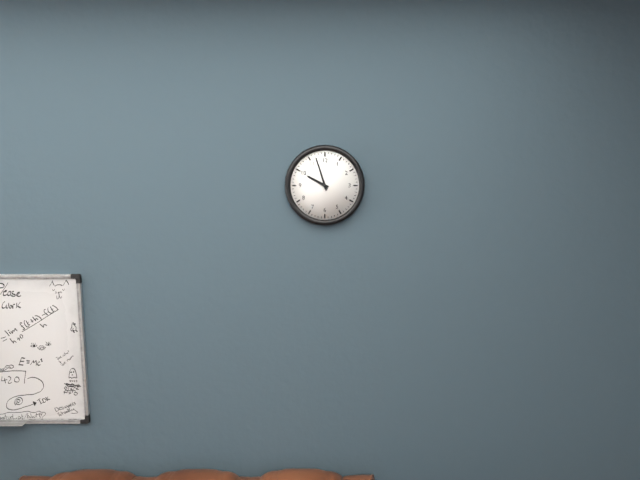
9:57
